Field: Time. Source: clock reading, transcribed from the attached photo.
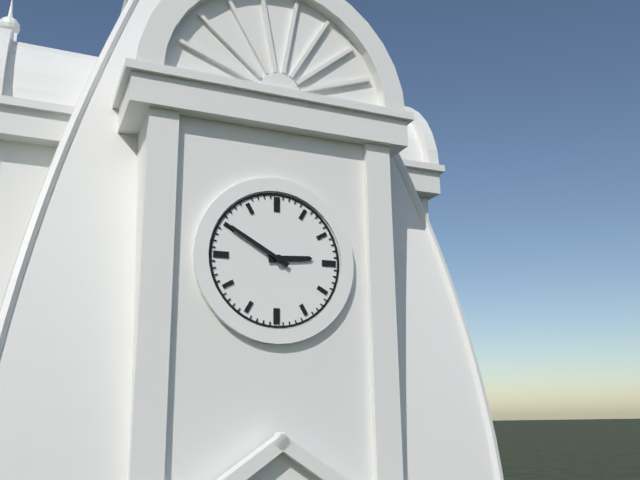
2:50
